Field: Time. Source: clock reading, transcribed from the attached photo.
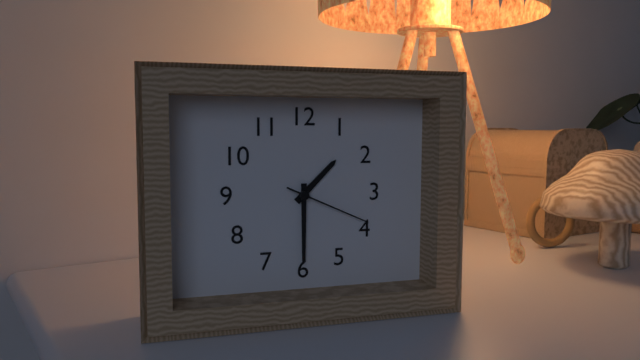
1:30:19
